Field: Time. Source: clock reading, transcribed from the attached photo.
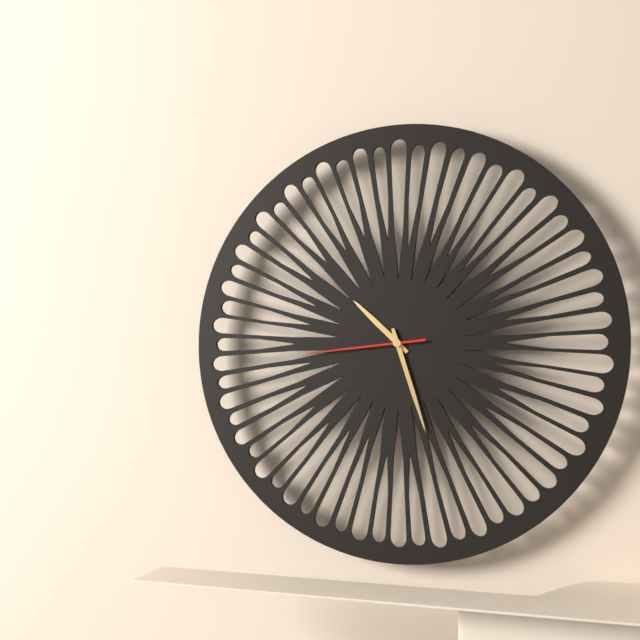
10:27:44
